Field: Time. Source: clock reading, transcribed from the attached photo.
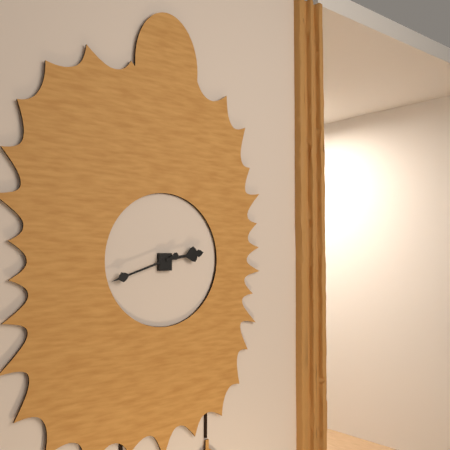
2:42
